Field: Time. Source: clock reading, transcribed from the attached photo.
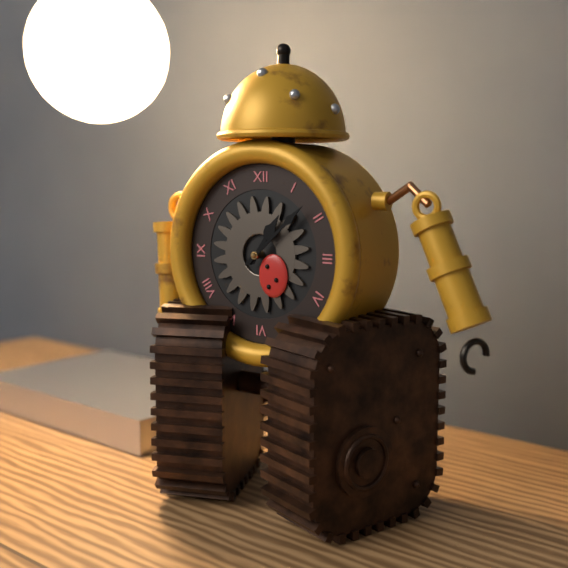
1:08
